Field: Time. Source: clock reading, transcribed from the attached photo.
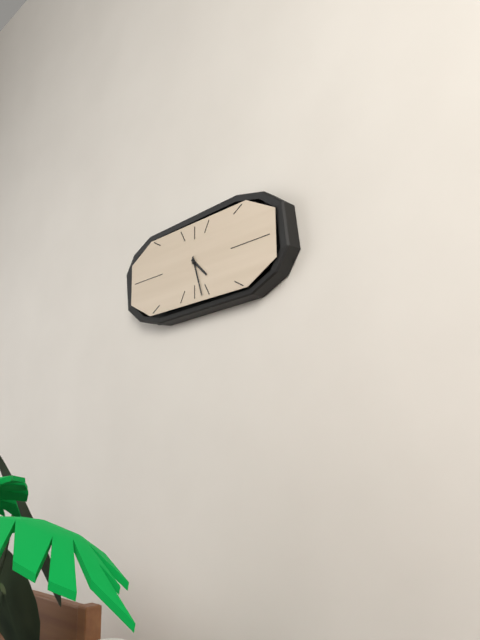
4:27
